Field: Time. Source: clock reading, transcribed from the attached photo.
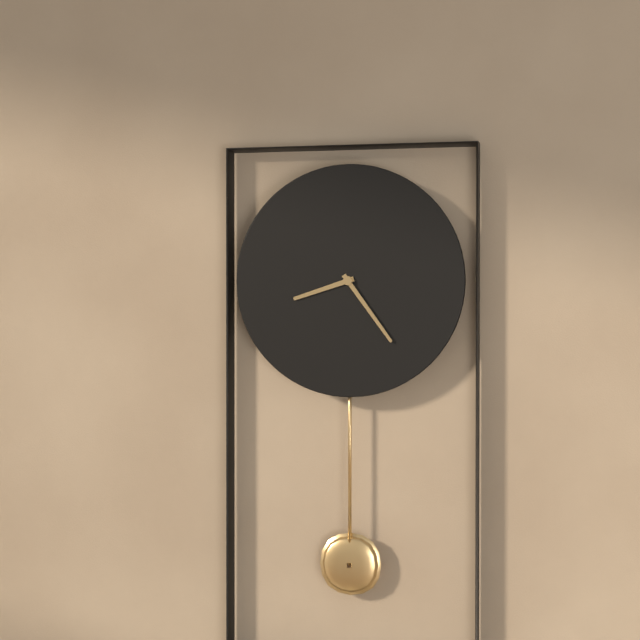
8:24
